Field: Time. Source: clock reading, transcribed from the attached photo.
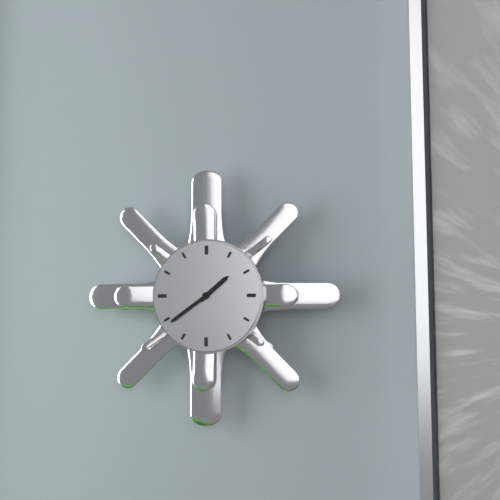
1:39
